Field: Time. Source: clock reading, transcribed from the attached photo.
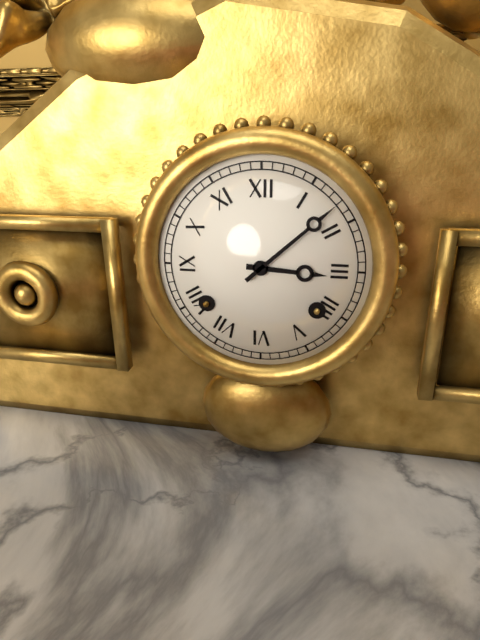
3:08
